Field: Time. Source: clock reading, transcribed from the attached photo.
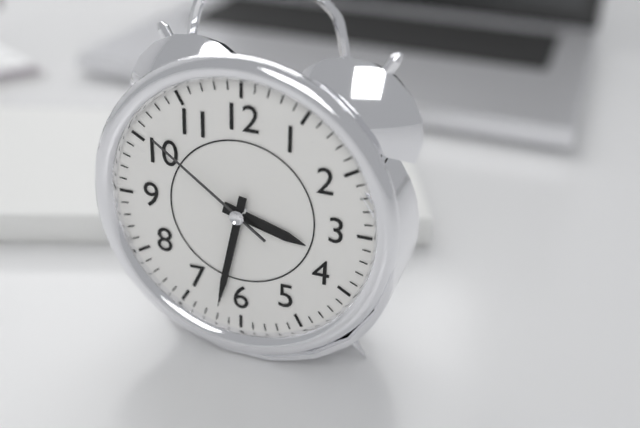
3:32:51
